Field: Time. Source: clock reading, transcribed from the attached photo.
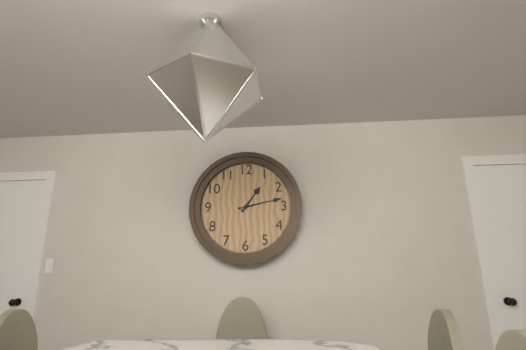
1:13
